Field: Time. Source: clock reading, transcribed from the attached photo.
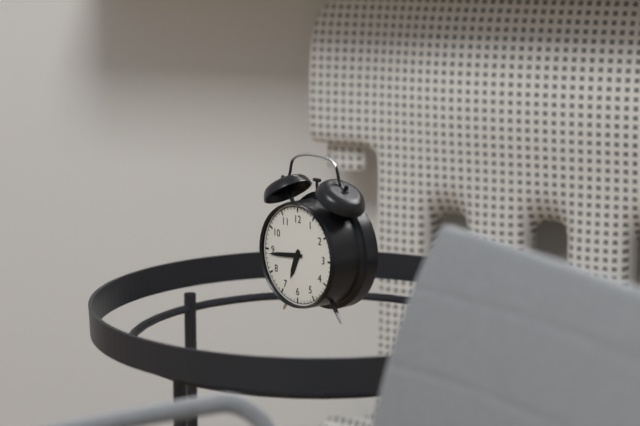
6:44
